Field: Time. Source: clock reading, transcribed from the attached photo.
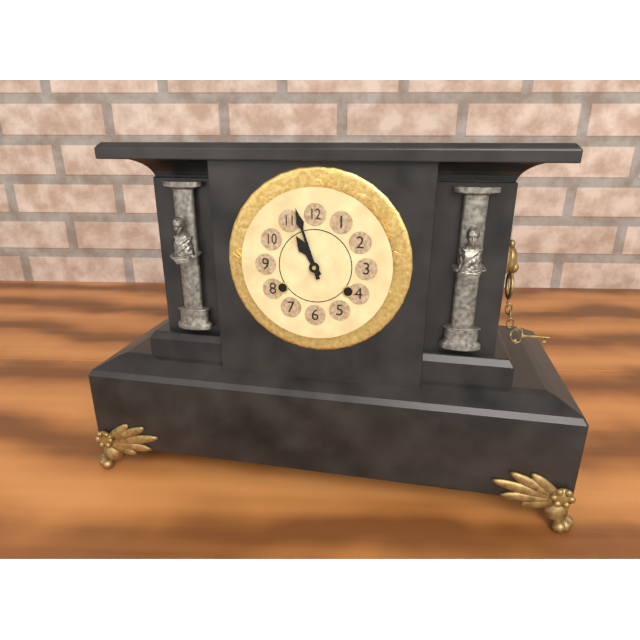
10:57
